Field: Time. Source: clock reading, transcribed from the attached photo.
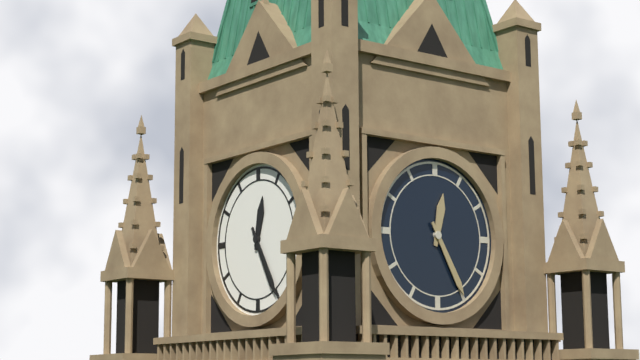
12:25
